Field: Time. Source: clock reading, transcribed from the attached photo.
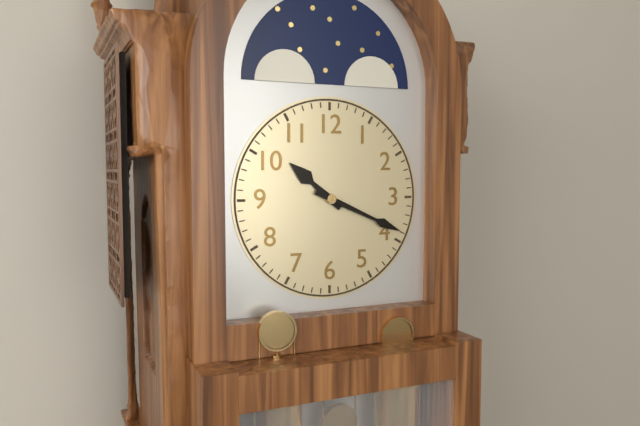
10:19
